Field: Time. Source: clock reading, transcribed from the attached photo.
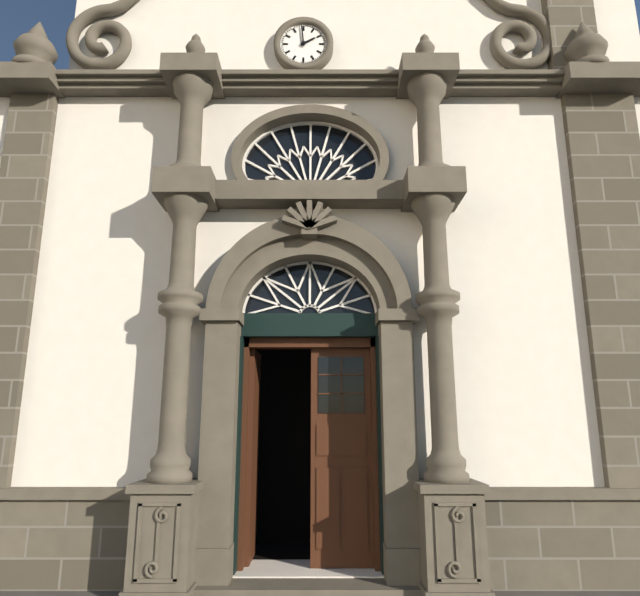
1:59
